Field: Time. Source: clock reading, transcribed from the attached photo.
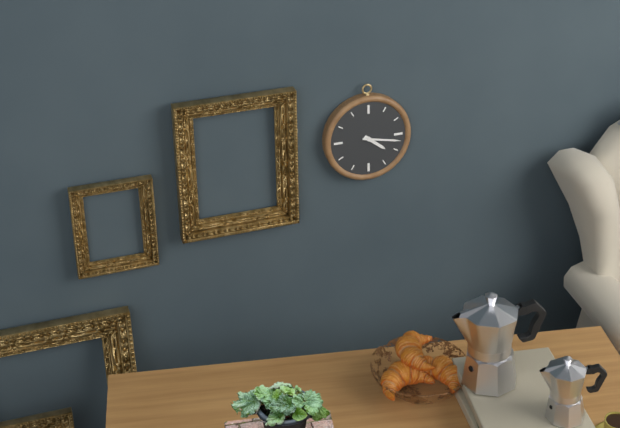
4:17
